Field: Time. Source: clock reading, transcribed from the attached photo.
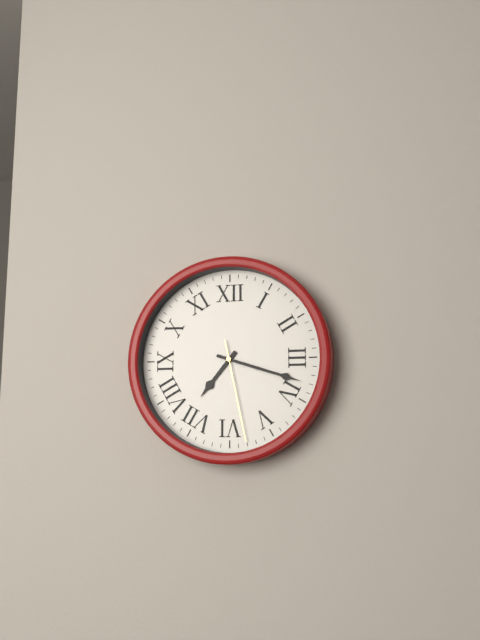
7:18:28
